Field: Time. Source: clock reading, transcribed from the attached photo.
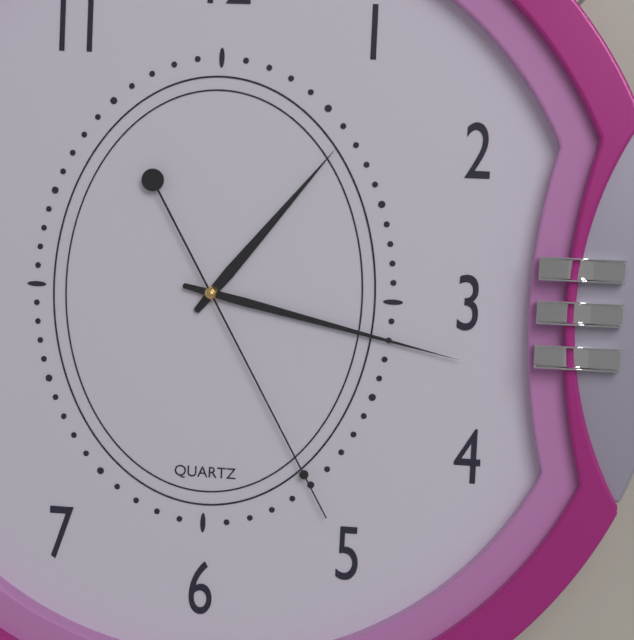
1:17:25
